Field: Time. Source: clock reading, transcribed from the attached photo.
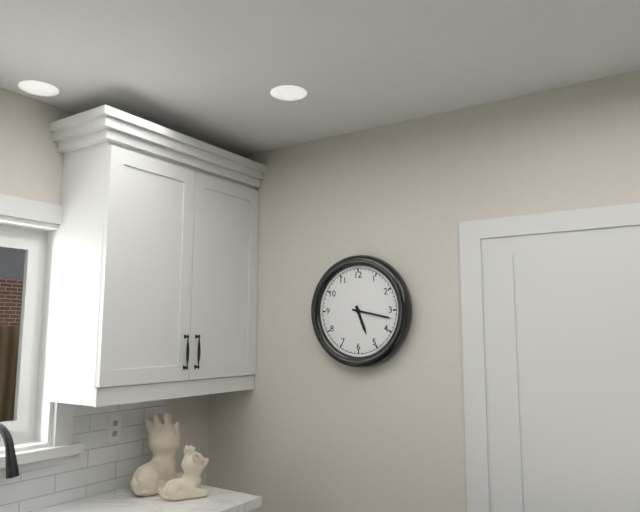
5:17
